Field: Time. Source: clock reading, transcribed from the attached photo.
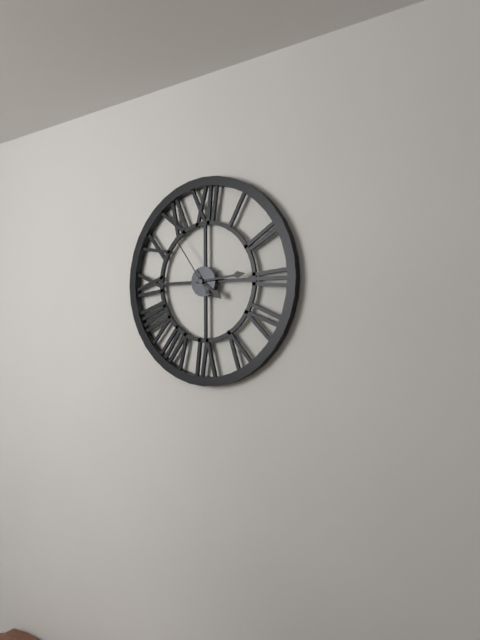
4:14:54
